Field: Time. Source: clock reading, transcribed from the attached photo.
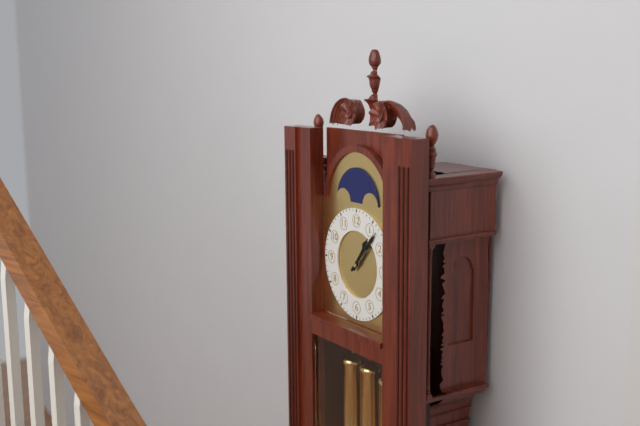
1:07
